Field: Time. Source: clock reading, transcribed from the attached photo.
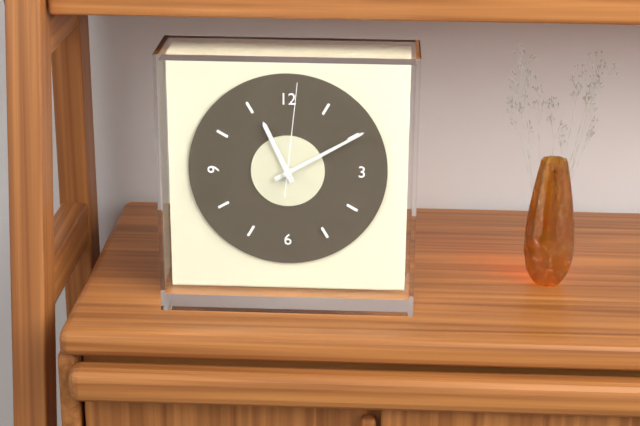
11:10:01
